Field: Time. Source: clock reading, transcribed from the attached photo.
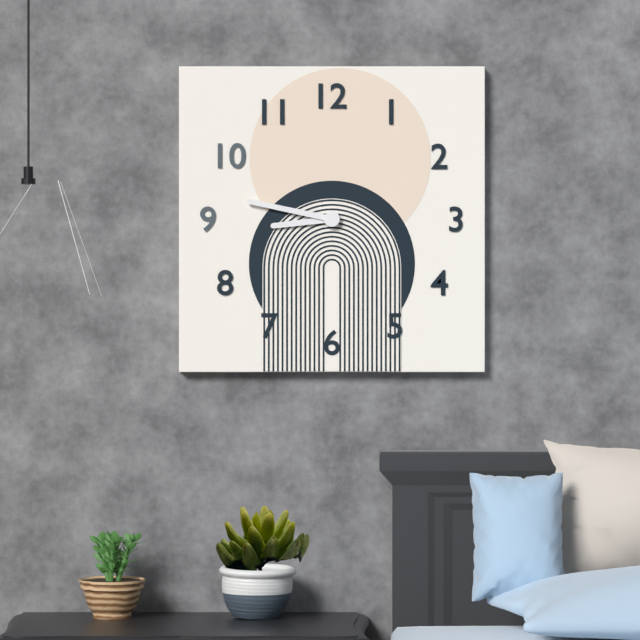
8:47
